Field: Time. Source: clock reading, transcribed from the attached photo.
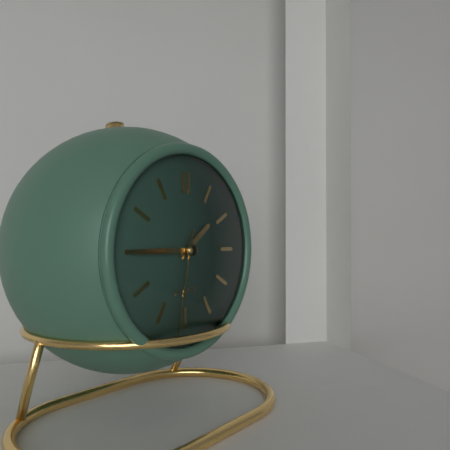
1:45:32
